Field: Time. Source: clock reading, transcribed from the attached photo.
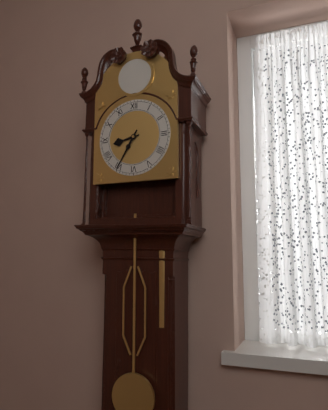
8:35
